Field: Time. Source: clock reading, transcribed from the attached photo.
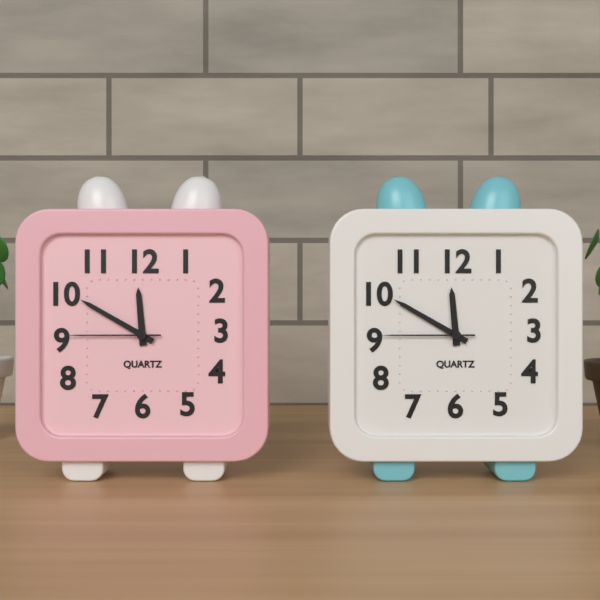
11:50:45
